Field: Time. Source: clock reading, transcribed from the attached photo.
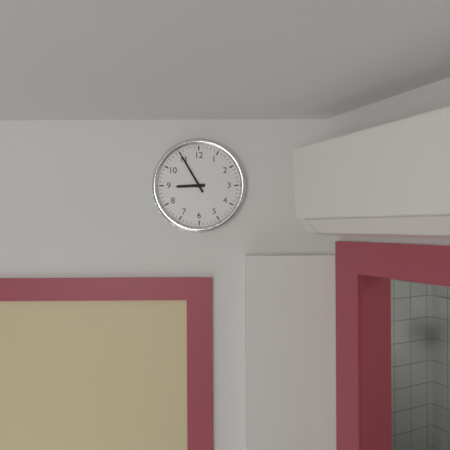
8:55
